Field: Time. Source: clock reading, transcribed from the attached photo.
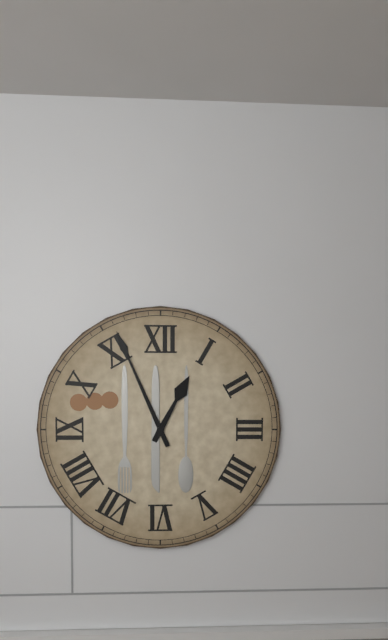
12:56
